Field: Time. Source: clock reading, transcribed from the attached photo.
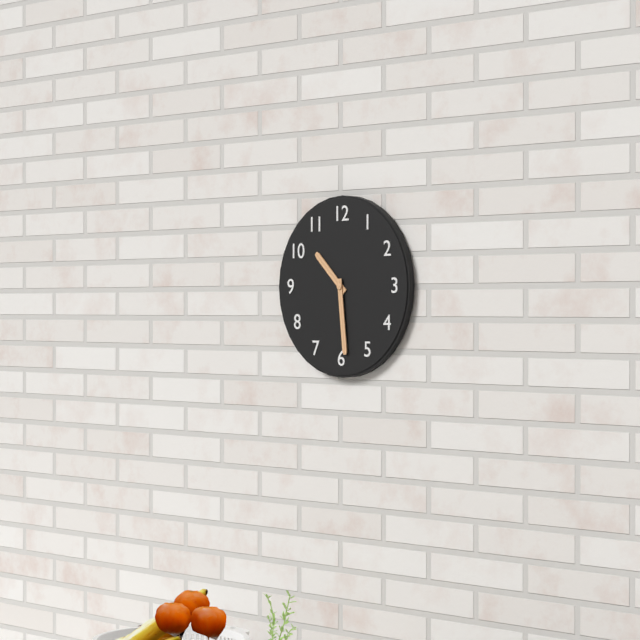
10:29
